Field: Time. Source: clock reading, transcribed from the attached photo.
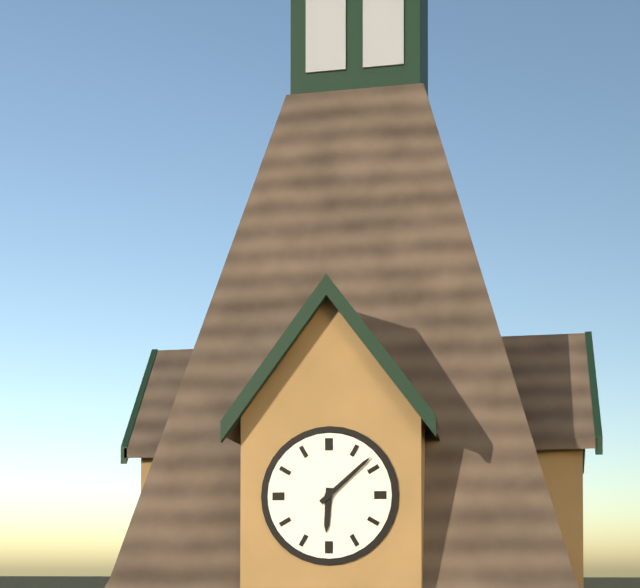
6:08
